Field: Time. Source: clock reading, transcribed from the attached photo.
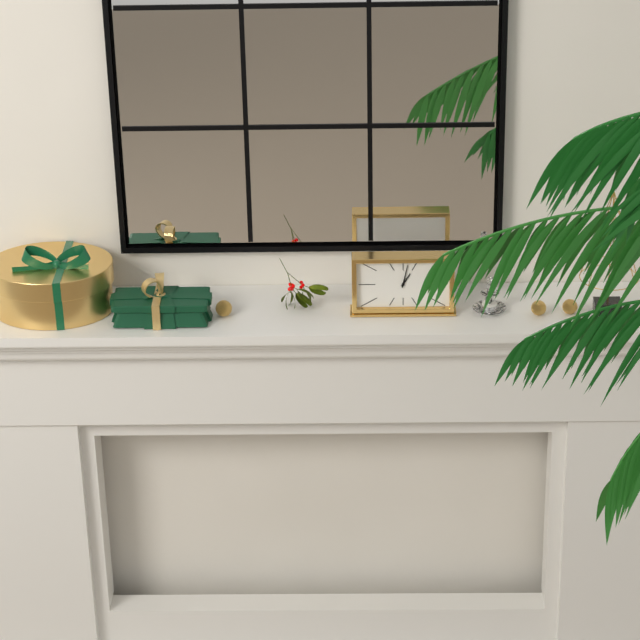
1:02
